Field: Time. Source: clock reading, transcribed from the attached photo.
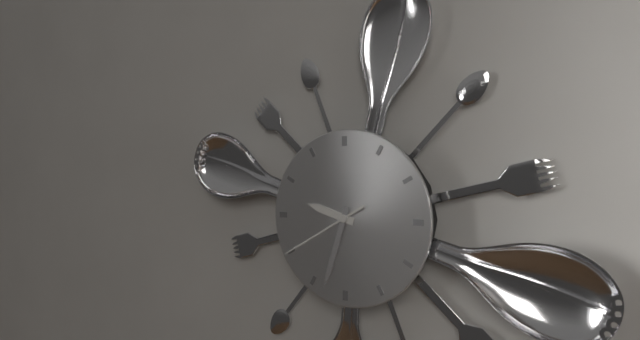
9:33:40
